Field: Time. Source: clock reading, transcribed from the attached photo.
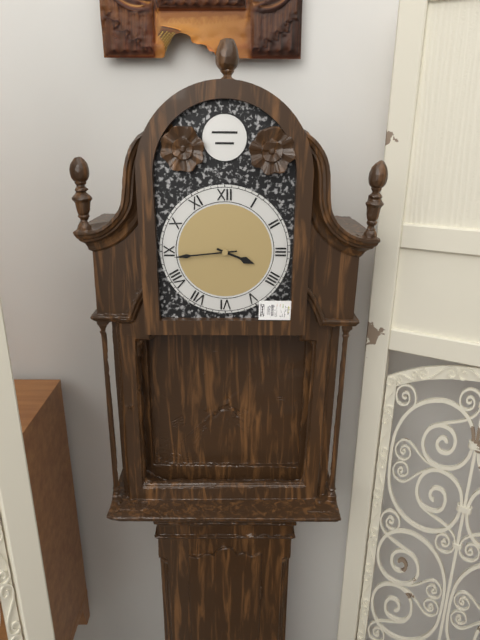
3:44
